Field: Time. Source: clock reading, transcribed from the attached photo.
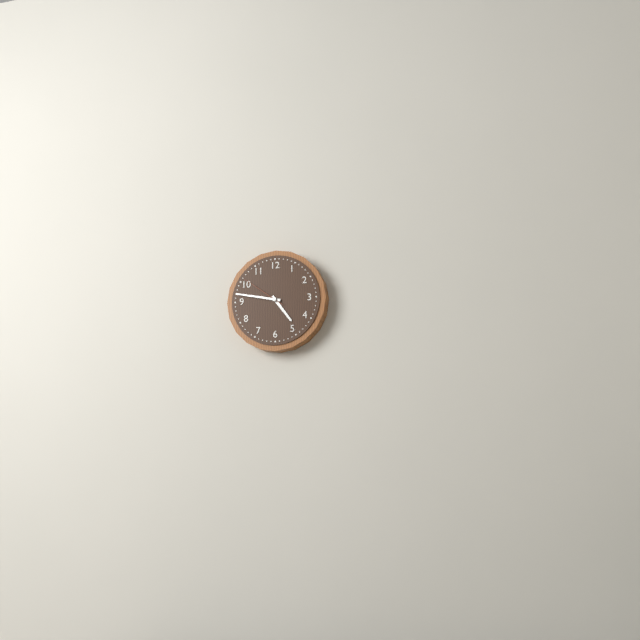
4:47
